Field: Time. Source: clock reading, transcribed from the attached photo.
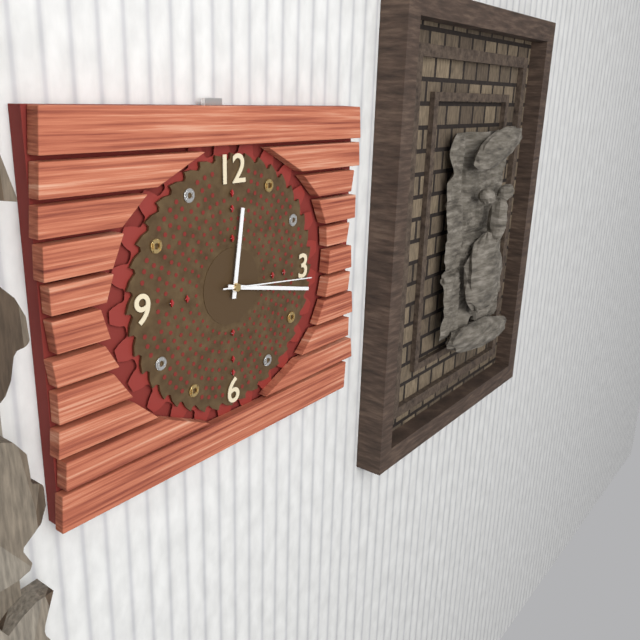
12:17:16
